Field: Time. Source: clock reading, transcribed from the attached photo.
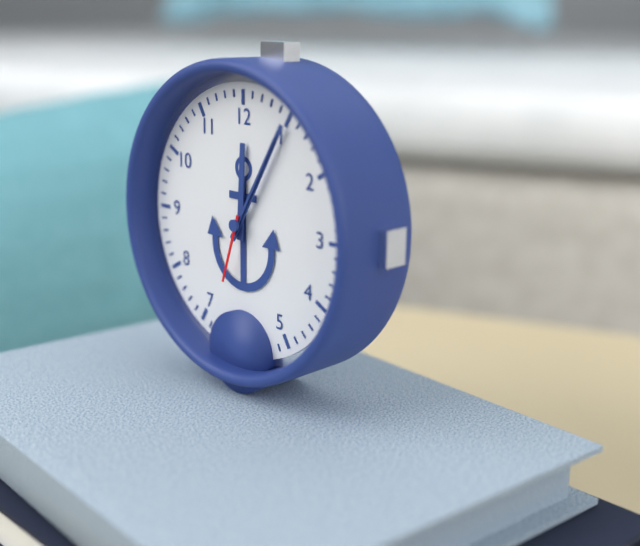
12:05:33
